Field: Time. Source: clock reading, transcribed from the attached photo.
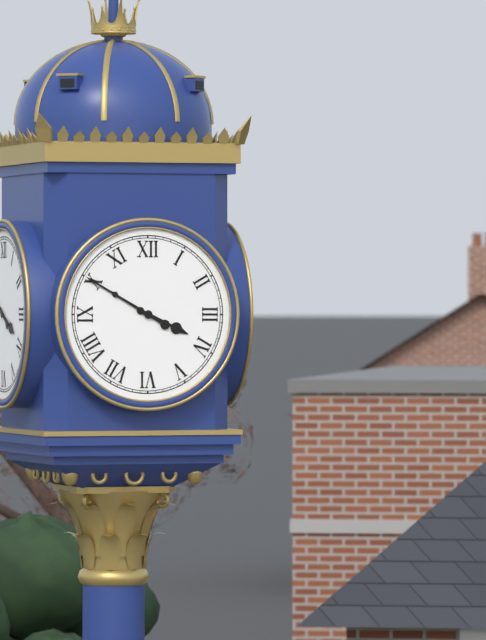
3:50
